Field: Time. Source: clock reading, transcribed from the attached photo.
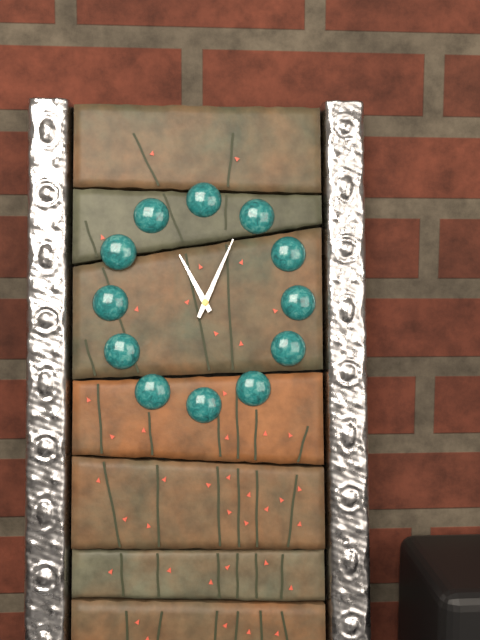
11:04
